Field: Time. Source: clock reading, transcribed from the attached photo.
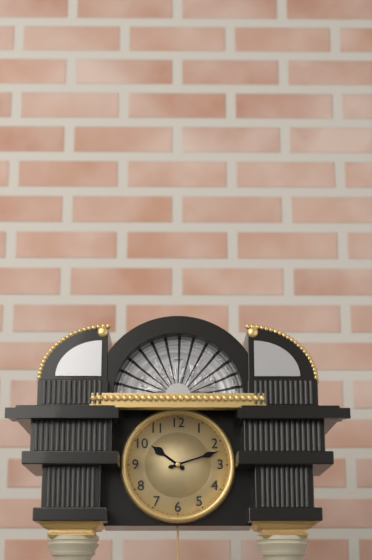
10:12
